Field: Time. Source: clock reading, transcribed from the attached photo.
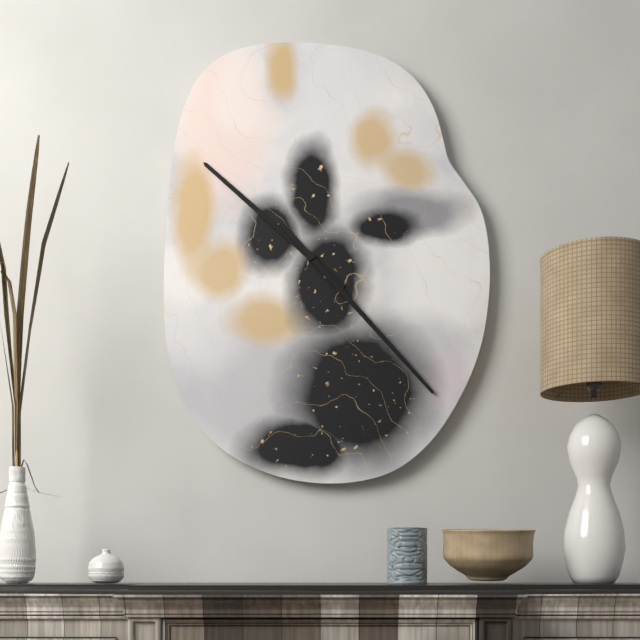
10:23
